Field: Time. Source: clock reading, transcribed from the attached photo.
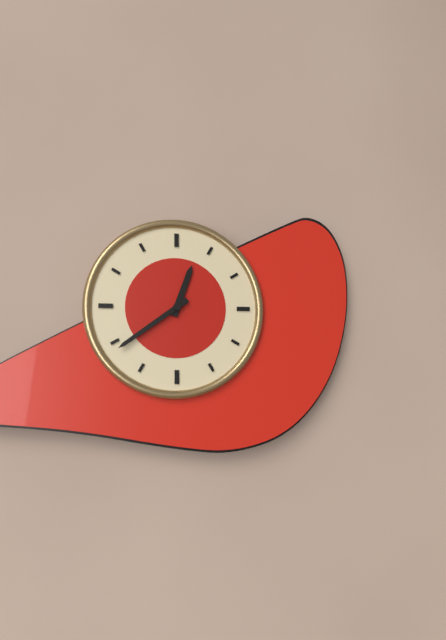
12:39
